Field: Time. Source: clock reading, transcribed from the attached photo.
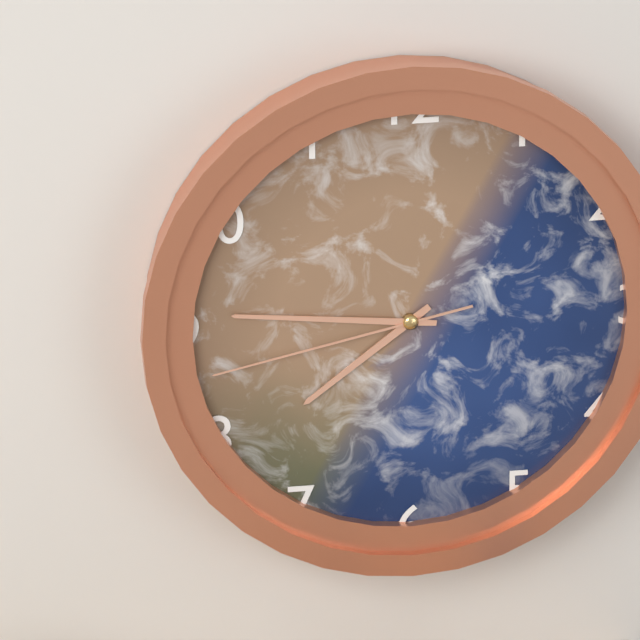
7:46:43
